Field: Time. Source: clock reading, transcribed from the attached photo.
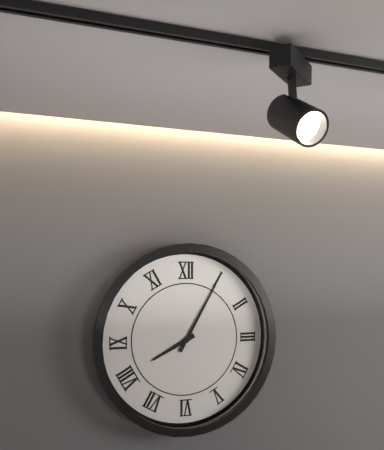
8:05
